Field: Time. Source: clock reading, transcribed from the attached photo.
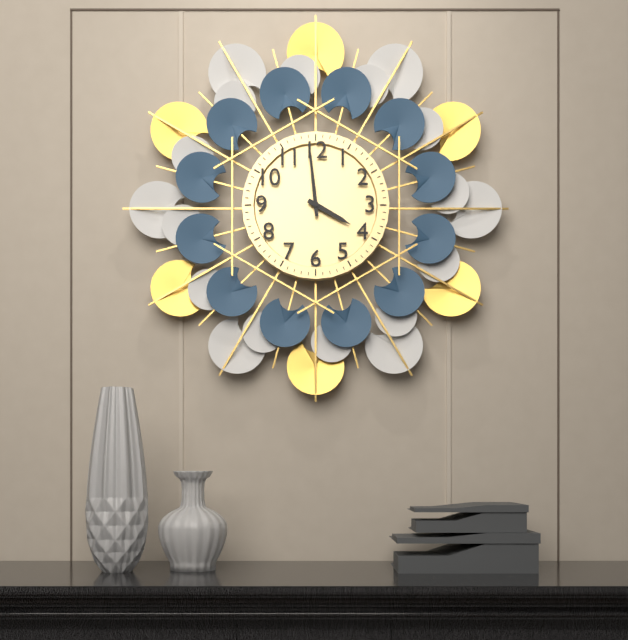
3:59
